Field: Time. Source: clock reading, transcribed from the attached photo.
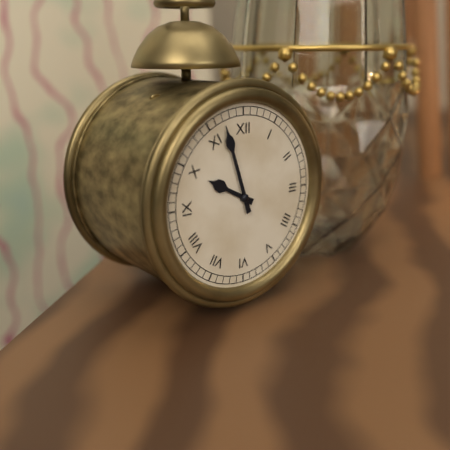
9:57
